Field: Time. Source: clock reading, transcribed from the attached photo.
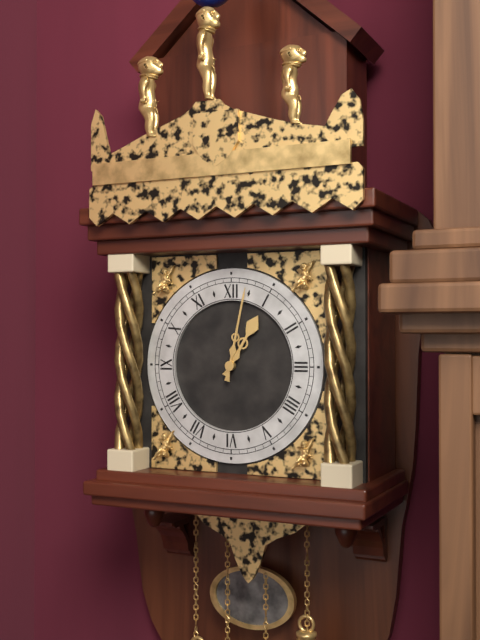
1:02
